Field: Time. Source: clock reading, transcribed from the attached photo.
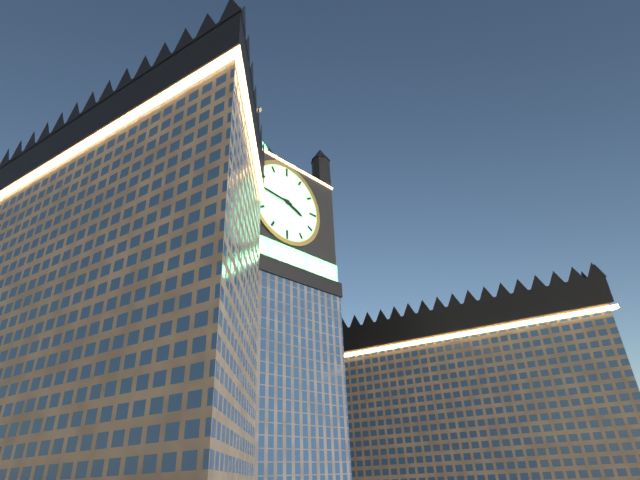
3:46
